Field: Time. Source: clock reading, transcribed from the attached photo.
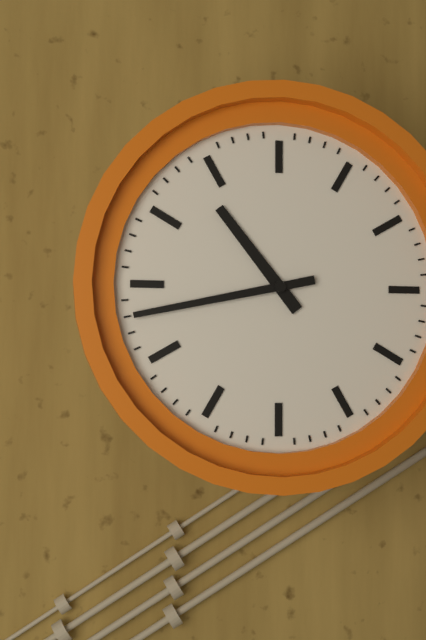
10:43
